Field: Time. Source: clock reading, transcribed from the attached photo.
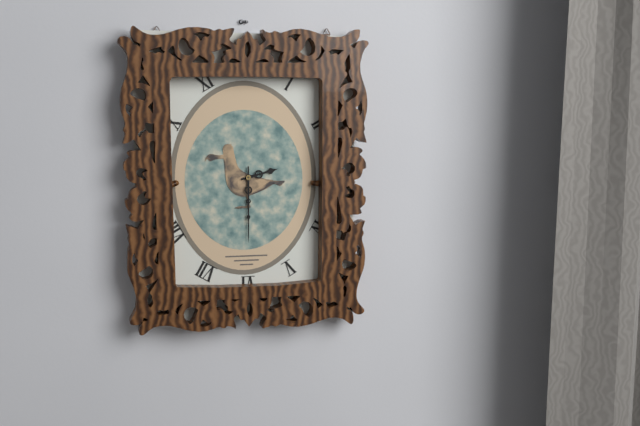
2:30
